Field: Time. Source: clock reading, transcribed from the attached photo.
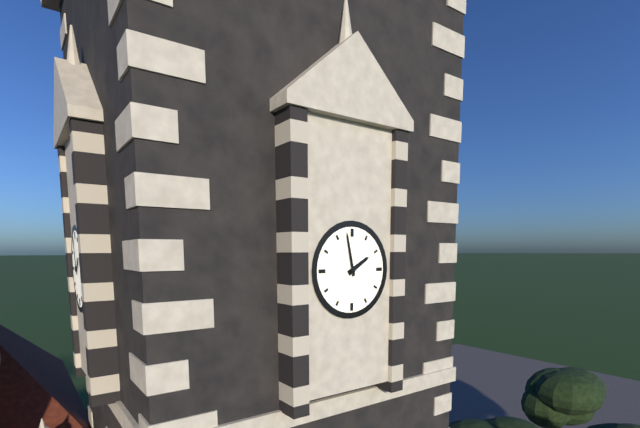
1:58
